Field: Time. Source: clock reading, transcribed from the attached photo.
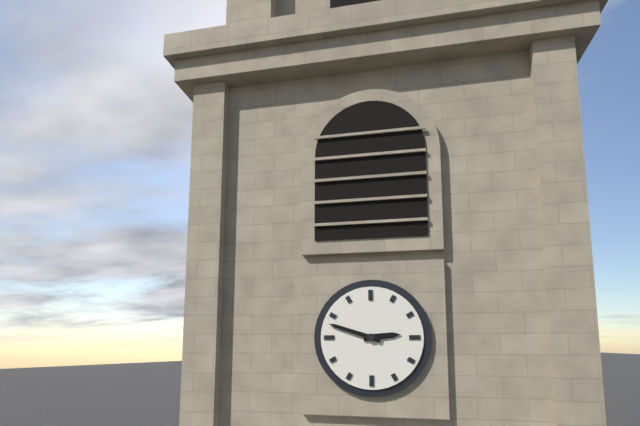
2:48
